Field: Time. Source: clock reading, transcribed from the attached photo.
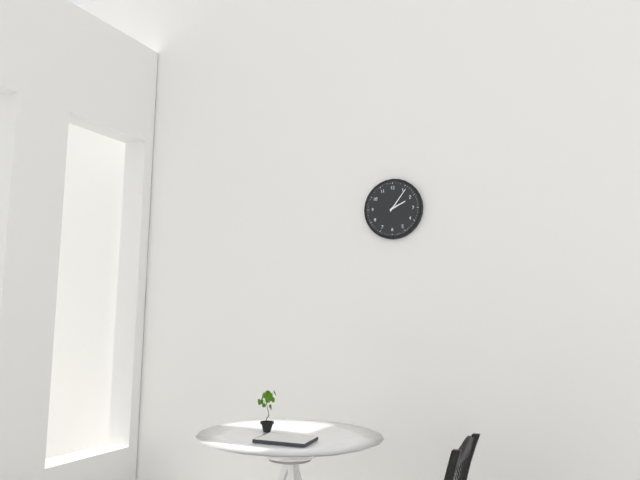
2:06
